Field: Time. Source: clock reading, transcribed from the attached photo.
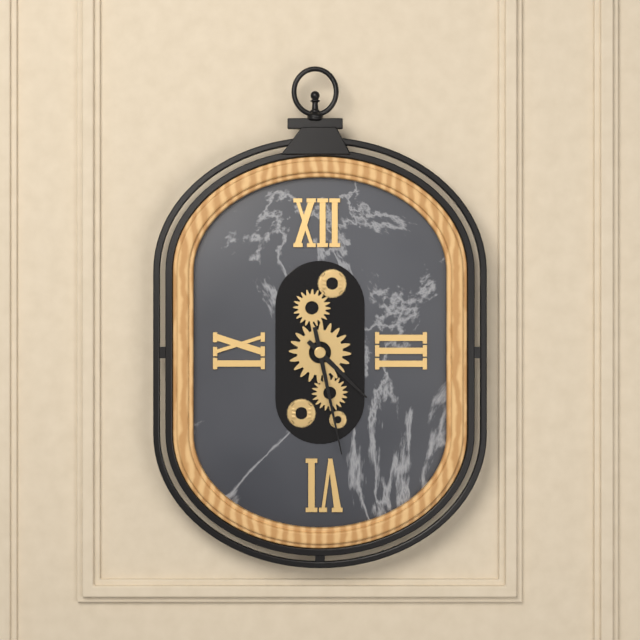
4:28
